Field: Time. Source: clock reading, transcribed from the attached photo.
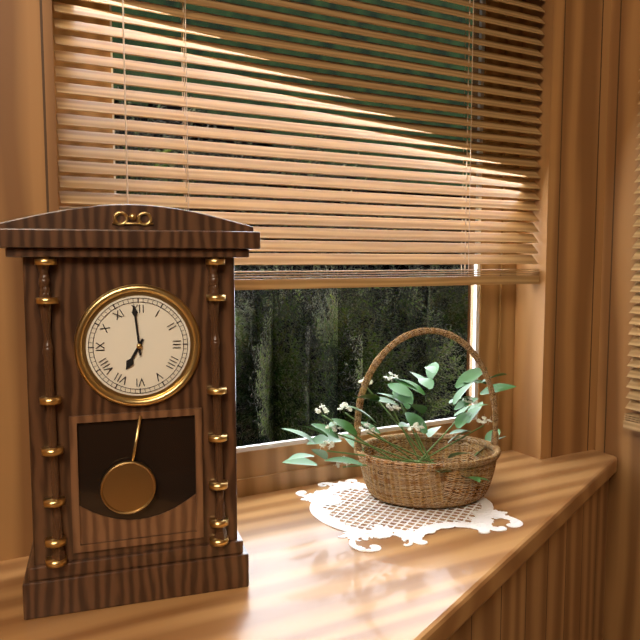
6:59
